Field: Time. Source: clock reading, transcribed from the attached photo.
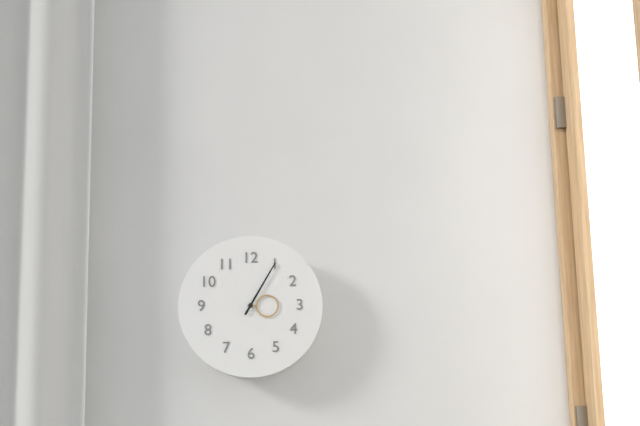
3:05
